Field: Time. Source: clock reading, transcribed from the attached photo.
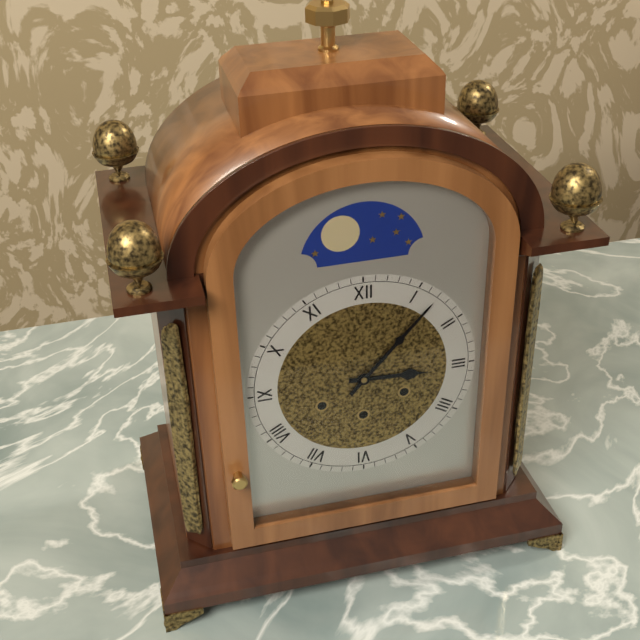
3:07
